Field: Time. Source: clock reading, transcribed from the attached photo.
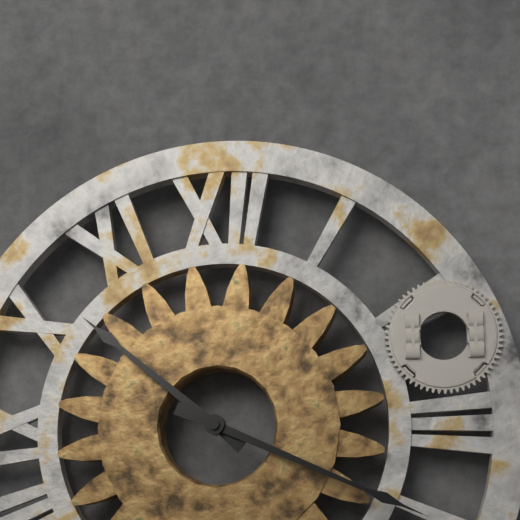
10:19
